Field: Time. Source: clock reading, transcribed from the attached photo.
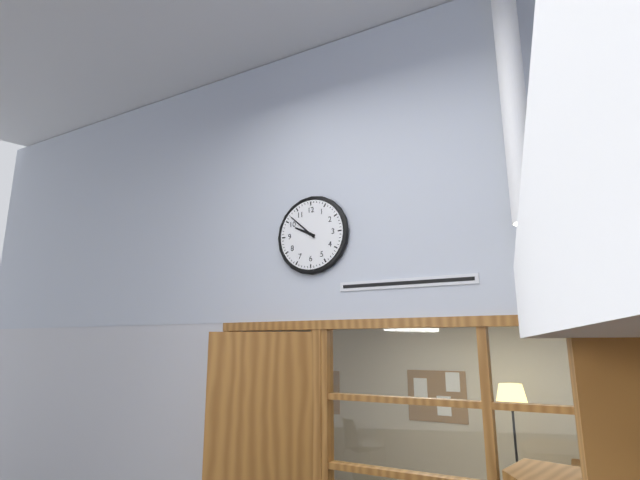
9:52
